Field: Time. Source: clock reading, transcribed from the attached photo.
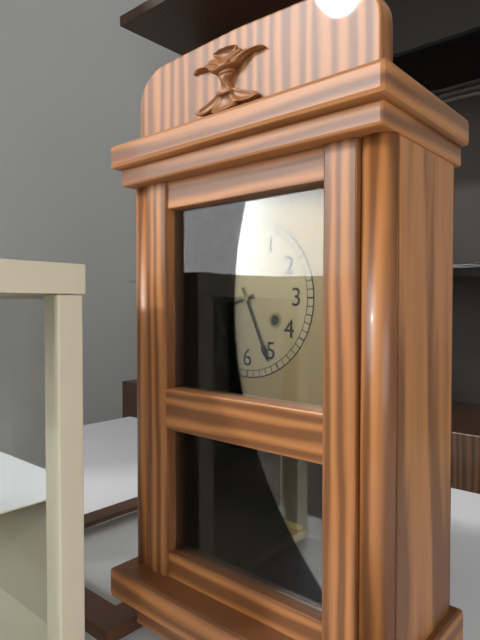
8:26
